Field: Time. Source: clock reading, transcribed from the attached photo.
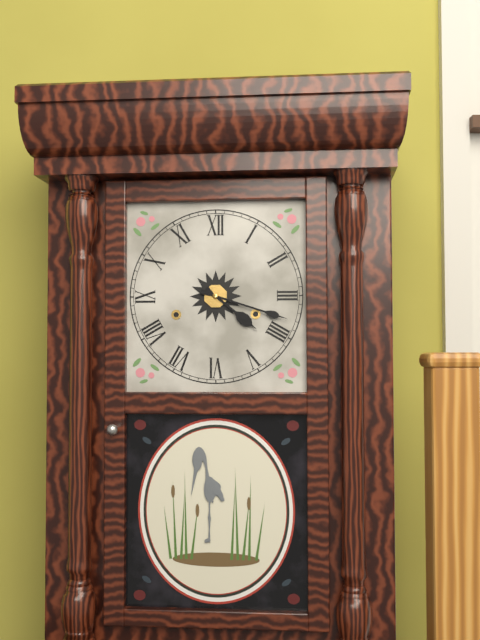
4:18
